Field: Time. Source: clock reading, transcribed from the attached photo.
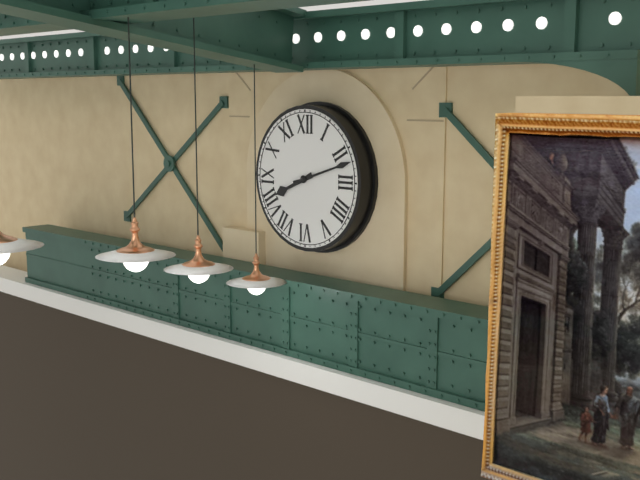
8:12
